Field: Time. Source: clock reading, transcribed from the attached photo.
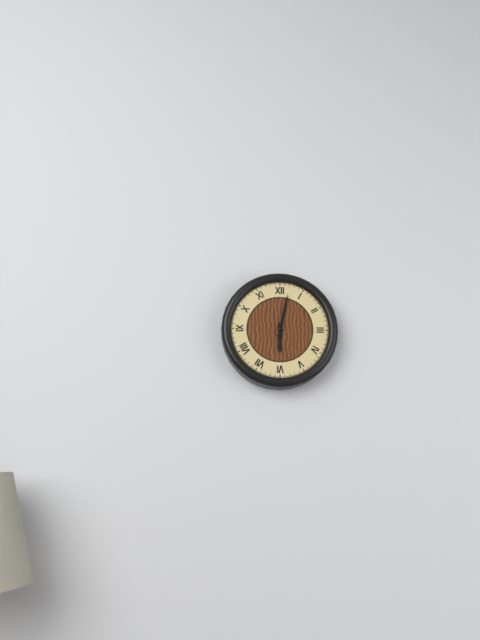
6:02
